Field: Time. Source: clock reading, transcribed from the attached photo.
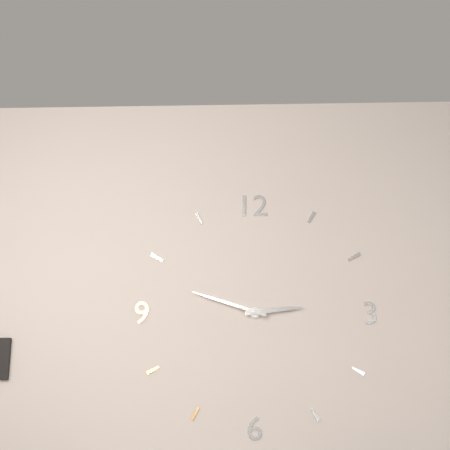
2:48
